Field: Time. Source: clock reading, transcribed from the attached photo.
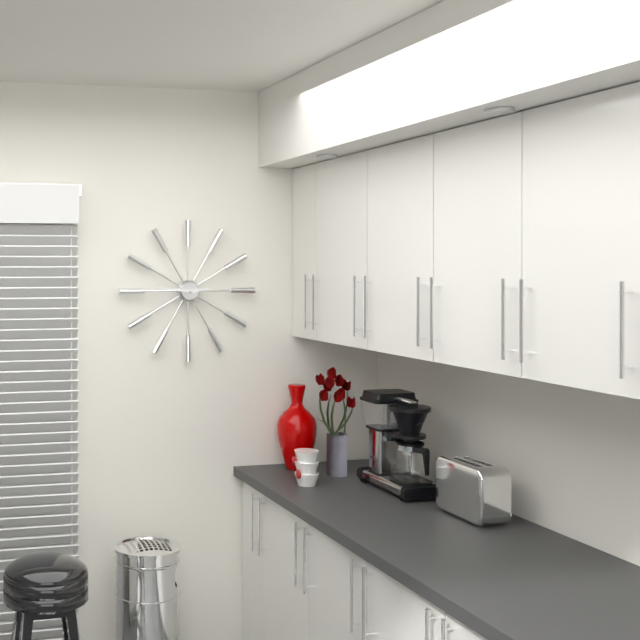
2:46
